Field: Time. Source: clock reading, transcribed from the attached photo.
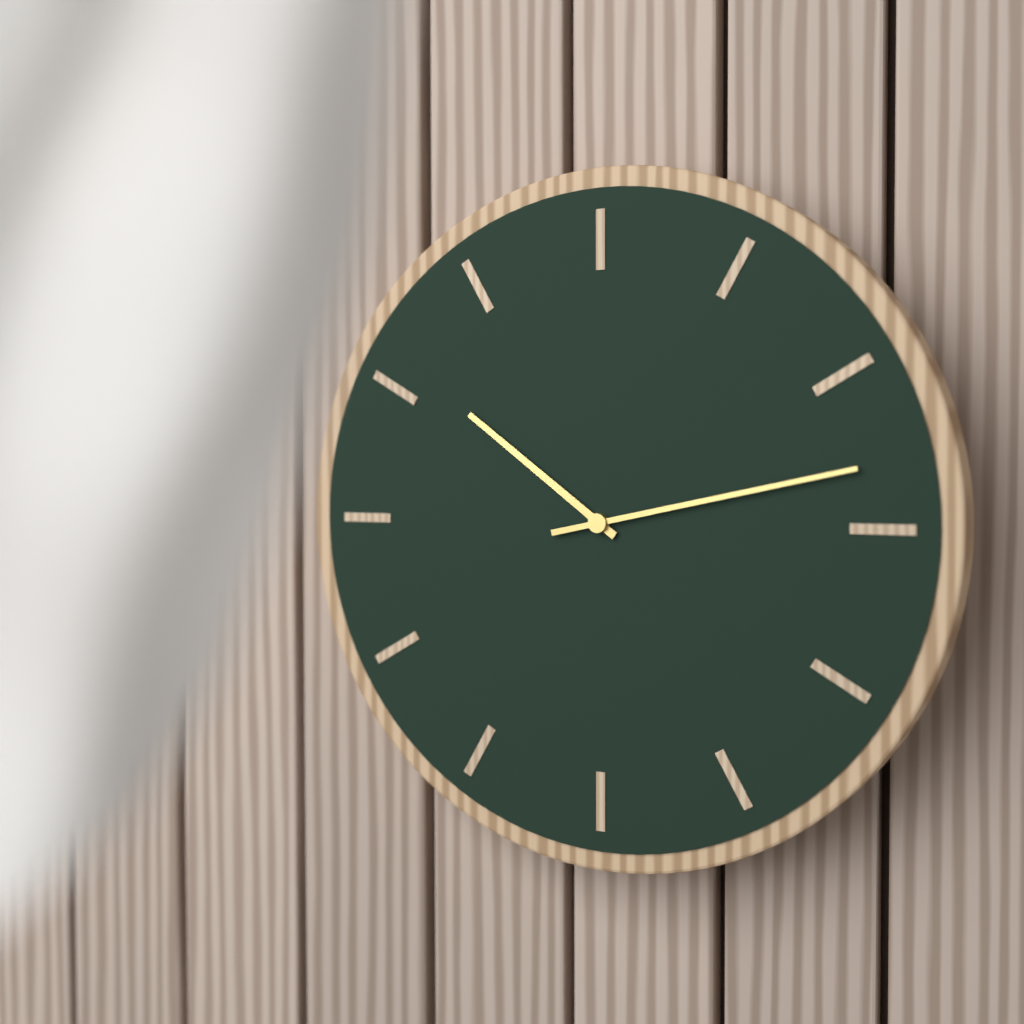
10:13
